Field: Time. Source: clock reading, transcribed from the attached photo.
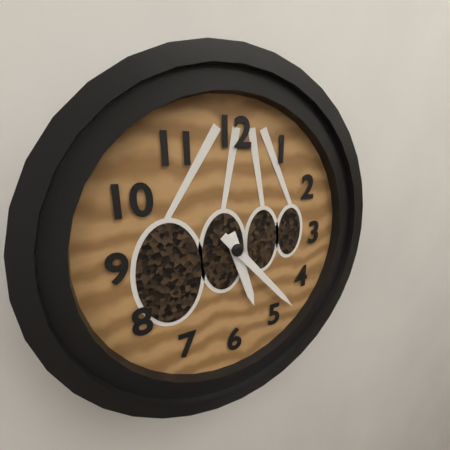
5:23
